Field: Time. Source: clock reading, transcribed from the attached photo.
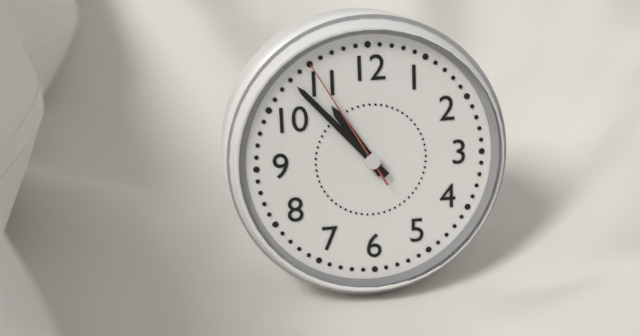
10:53:55
